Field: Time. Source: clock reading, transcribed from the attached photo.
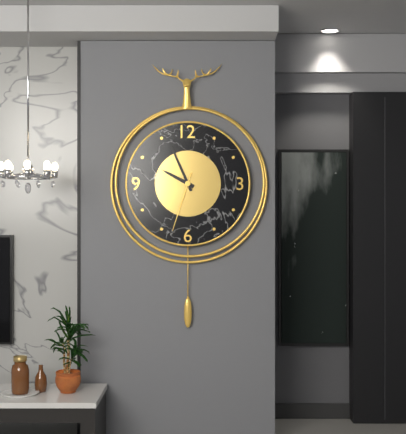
9:56:33
